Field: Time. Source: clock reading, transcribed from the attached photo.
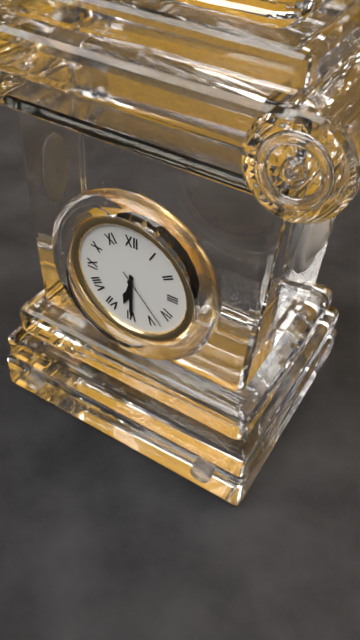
6:30:23
